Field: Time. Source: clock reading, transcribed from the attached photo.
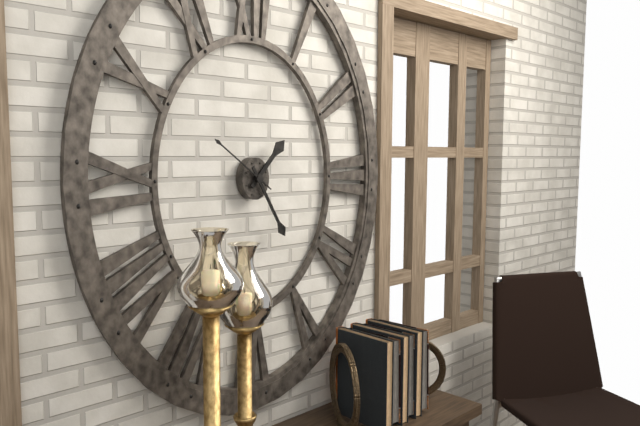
1:25:51
